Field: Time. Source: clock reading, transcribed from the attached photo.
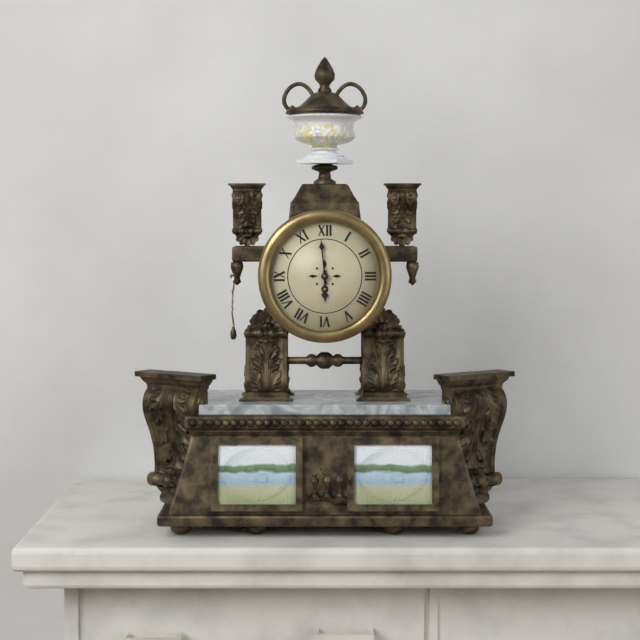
5:59
